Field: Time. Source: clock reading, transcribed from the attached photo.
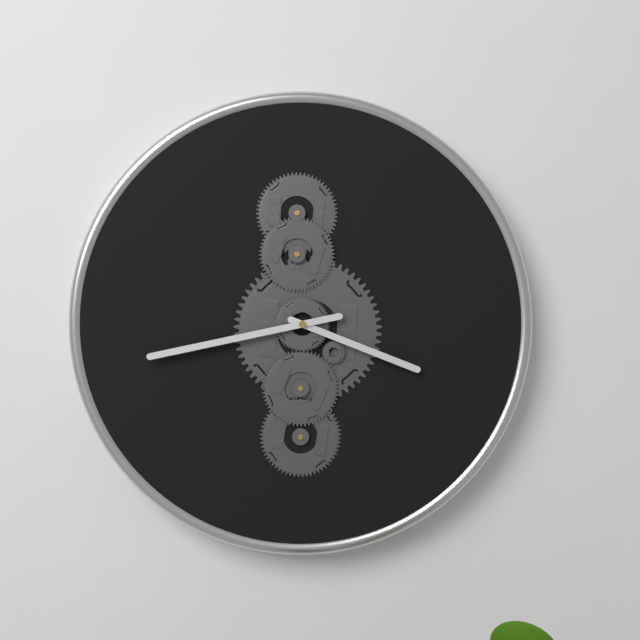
3:43
